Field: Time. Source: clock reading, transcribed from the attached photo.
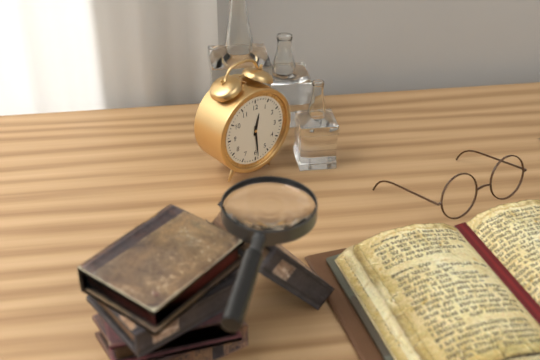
12:29
